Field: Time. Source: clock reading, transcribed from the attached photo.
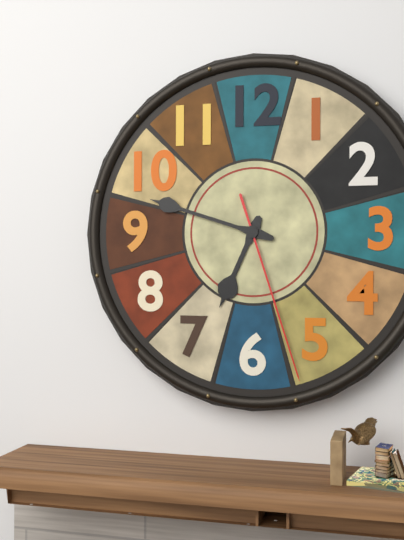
6:48:27
